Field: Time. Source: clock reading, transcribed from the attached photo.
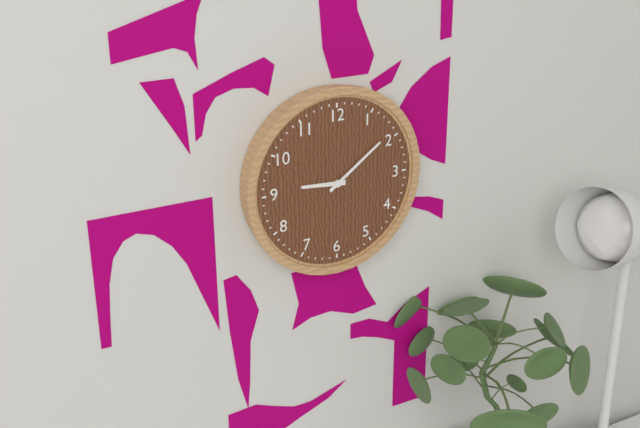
9:09
